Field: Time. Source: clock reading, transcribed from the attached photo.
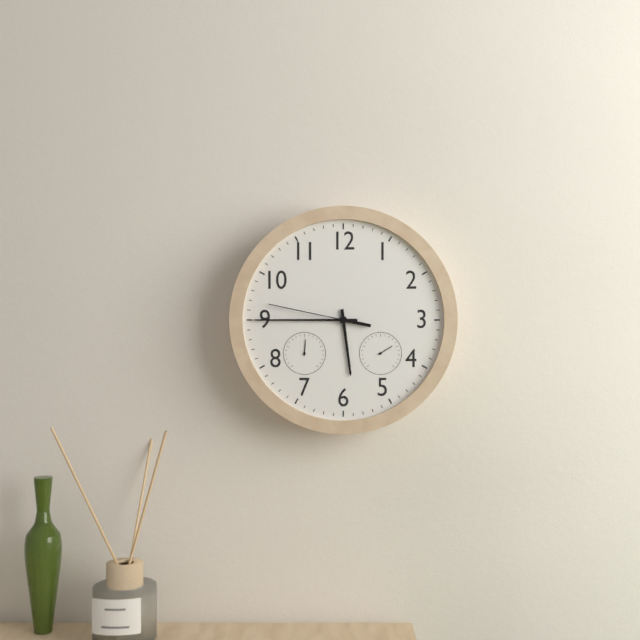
5:45:47
